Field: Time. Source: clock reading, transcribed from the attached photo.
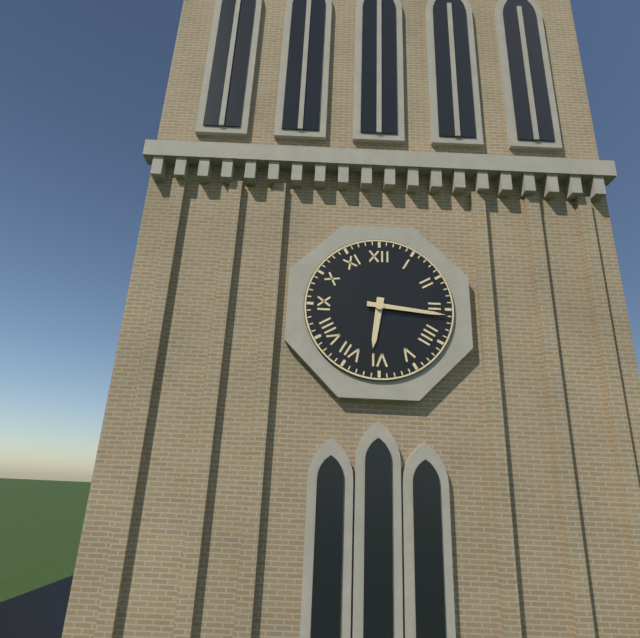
6:16
